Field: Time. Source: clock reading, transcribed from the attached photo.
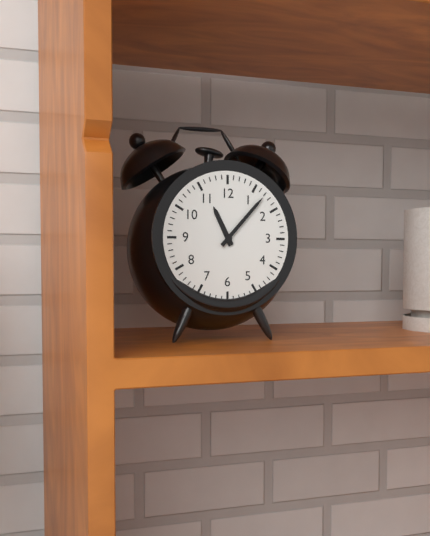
11:07
